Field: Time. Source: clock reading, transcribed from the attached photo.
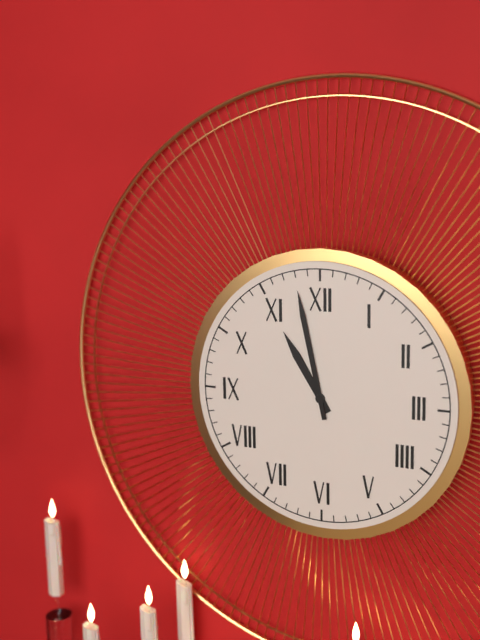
10:58
